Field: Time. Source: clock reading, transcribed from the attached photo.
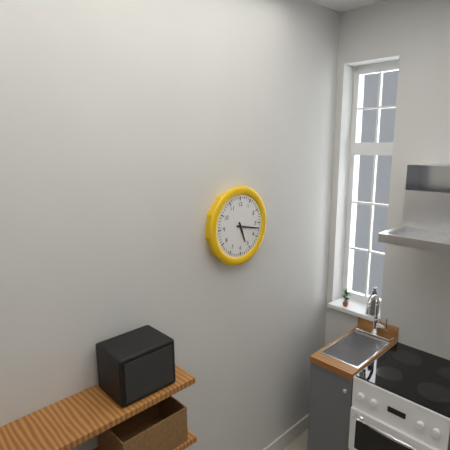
5:17
